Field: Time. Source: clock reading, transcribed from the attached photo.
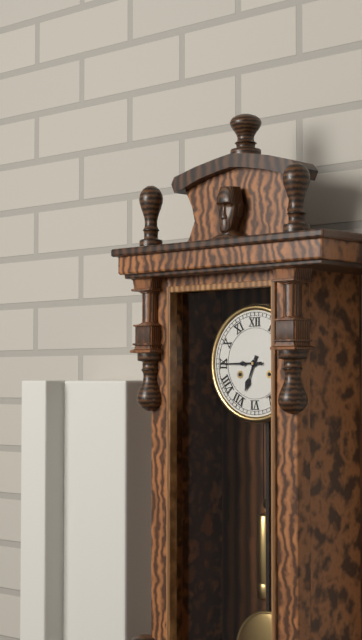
6:45
